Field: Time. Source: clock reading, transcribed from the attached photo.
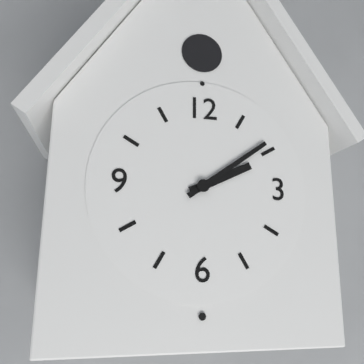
2:09
